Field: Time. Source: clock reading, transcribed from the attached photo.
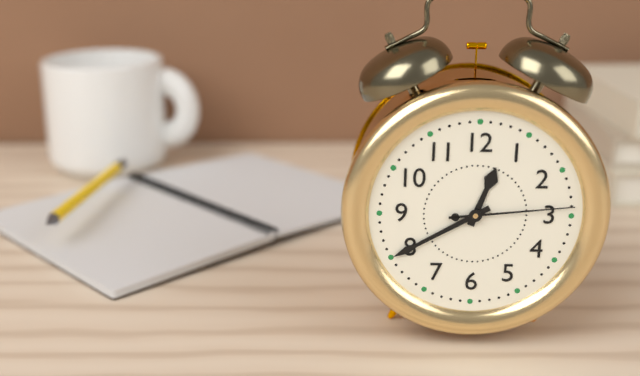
12:40:14
